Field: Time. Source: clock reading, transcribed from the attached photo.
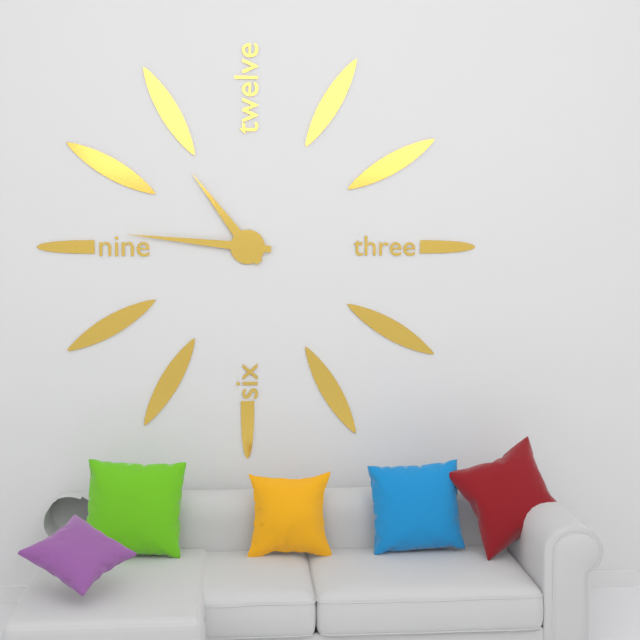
10:46
